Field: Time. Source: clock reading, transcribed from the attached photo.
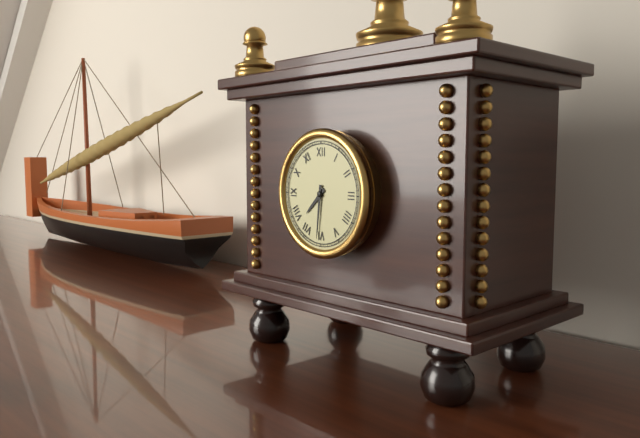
7:31
